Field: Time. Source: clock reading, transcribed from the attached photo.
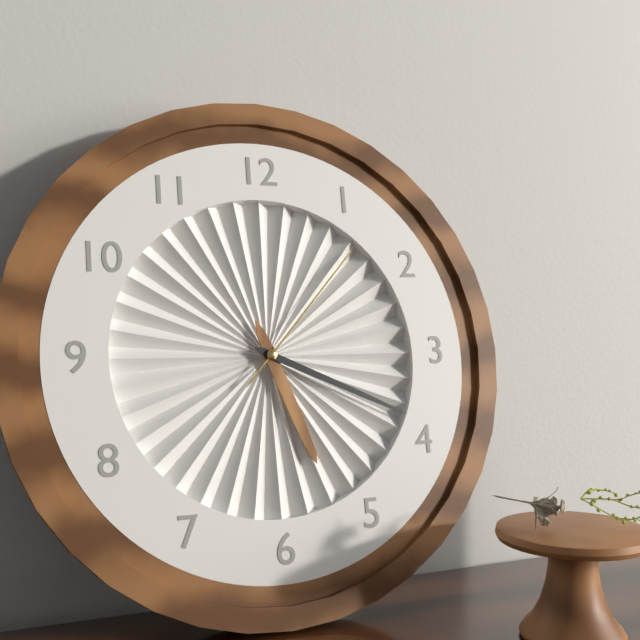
5:19:07
